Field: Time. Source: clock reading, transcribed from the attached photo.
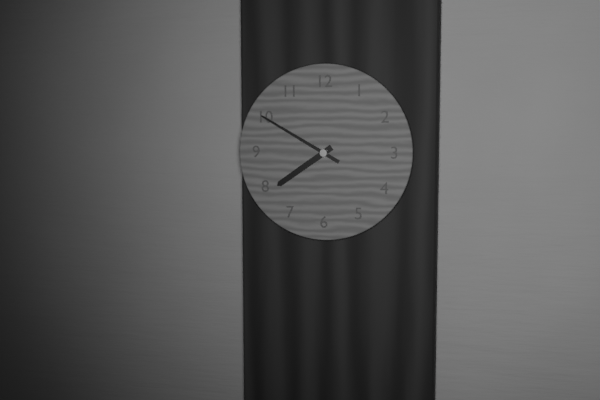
7:50
